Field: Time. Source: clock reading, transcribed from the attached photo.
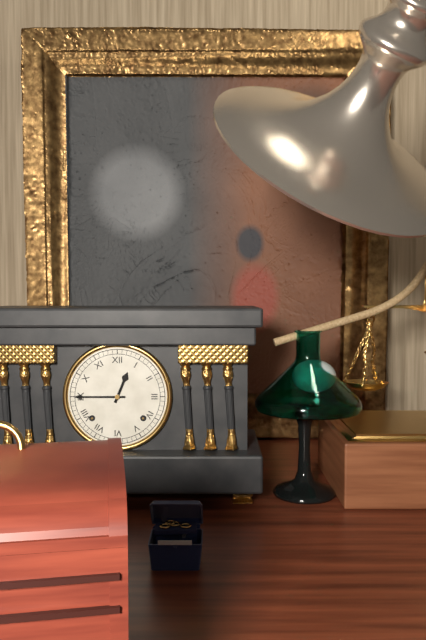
12:45
